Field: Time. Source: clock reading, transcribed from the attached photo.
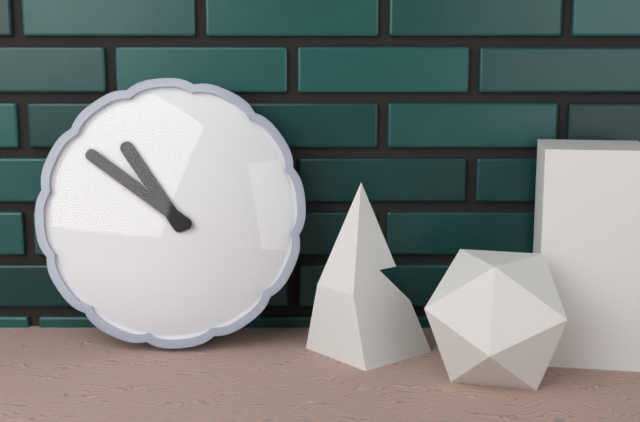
10:51
